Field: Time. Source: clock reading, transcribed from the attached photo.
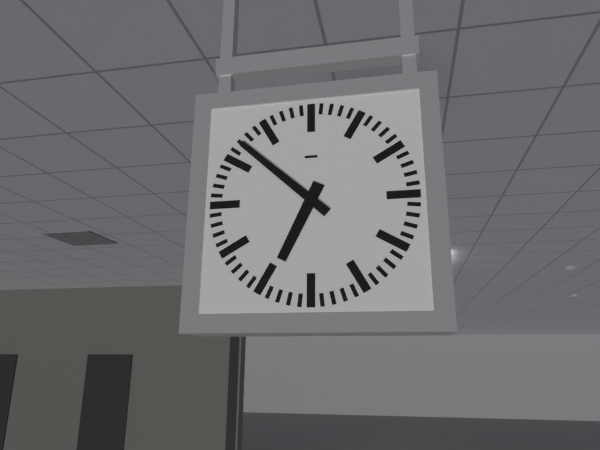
6:52
